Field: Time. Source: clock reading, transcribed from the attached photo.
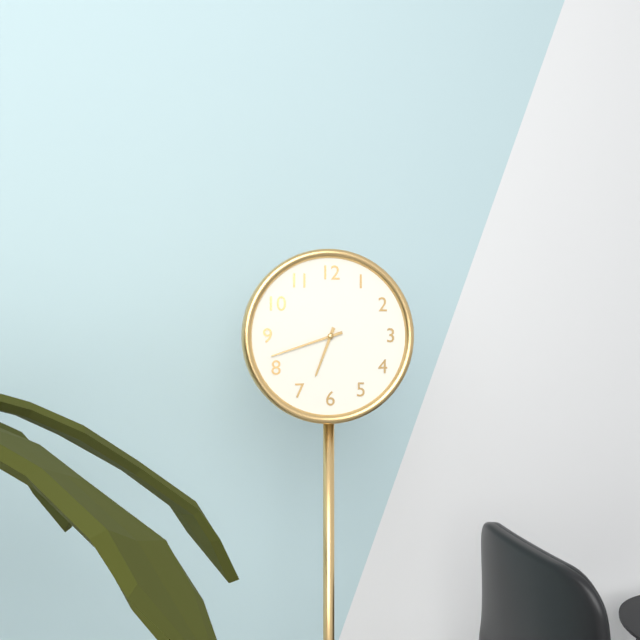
6:42
